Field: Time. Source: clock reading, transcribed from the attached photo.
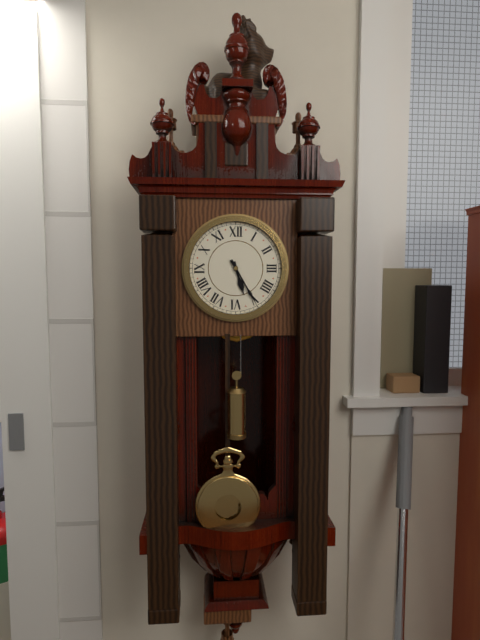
5:25
